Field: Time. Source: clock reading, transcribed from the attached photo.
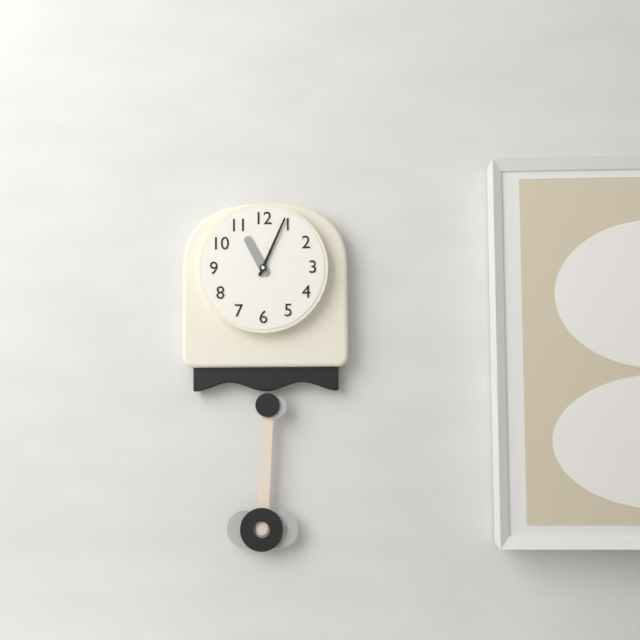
11:04
